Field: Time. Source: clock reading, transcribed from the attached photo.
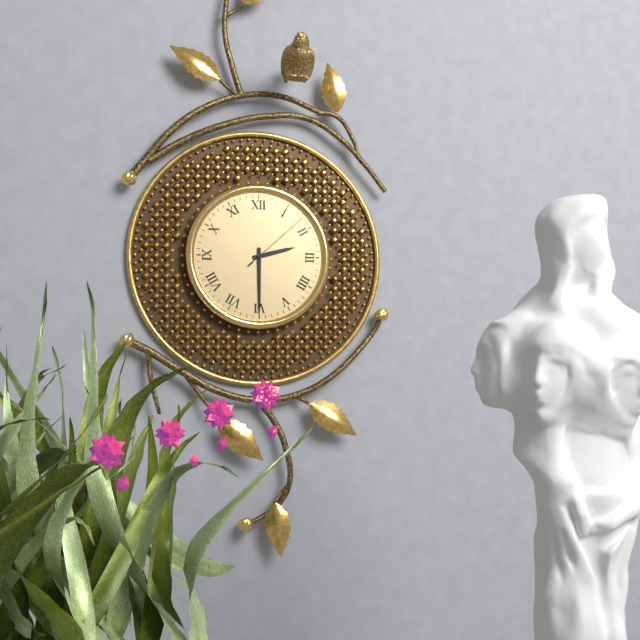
2:30:08
